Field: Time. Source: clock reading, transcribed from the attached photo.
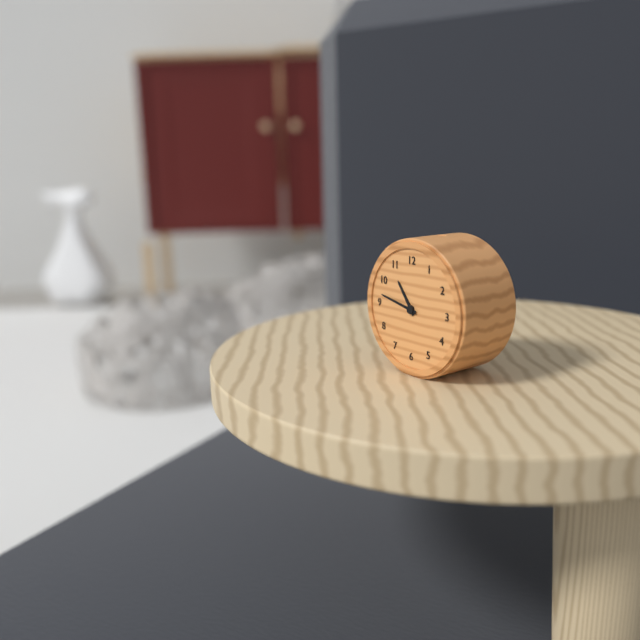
10:47
